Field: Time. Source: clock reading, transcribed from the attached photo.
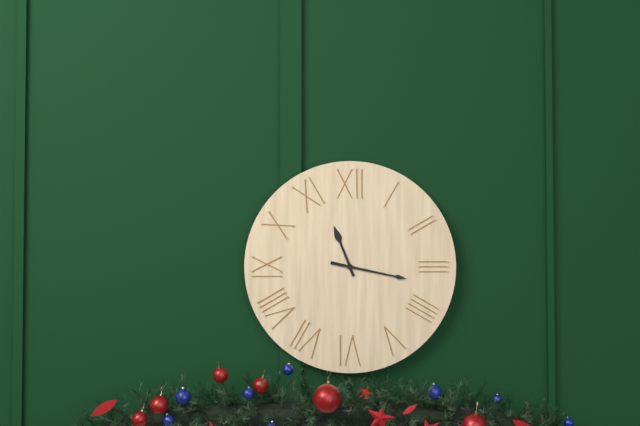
11:17
